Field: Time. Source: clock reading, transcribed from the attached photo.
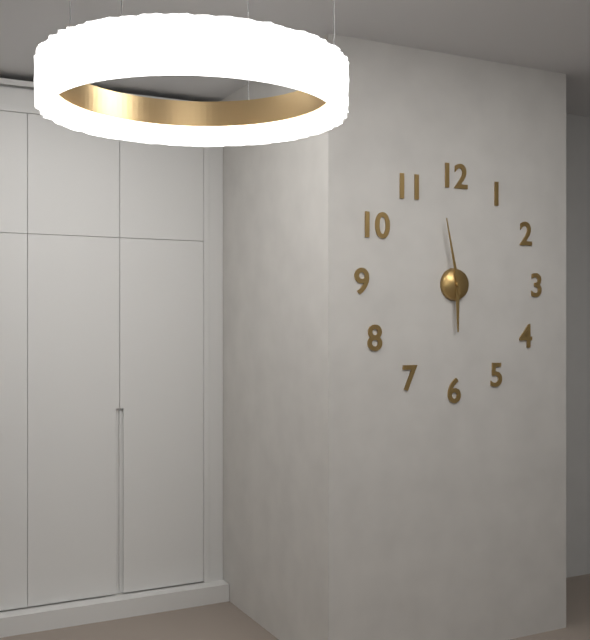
5:58
